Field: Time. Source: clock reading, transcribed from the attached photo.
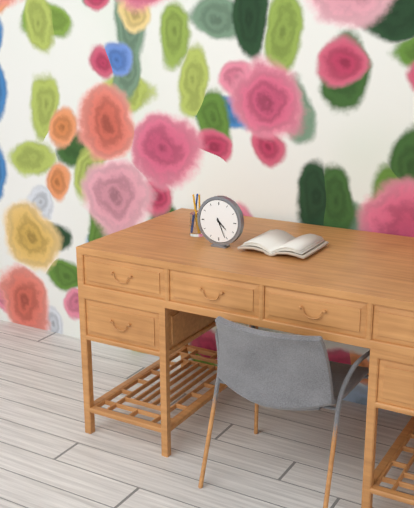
4:26
